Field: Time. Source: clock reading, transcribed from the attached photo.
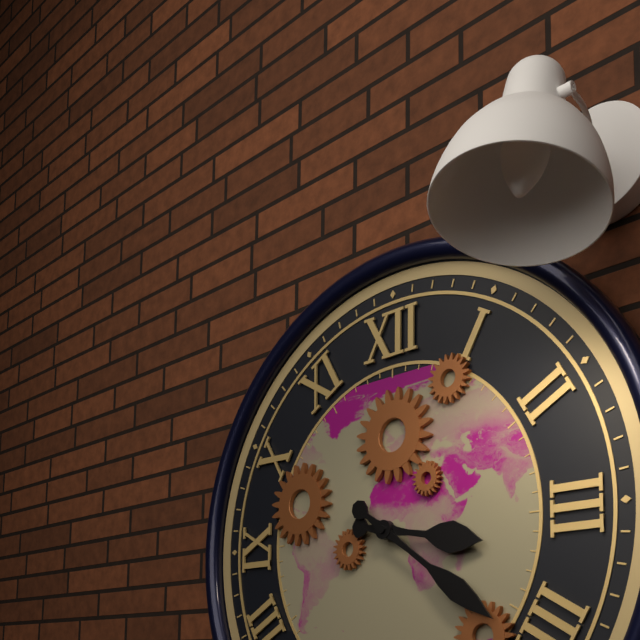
3:21
